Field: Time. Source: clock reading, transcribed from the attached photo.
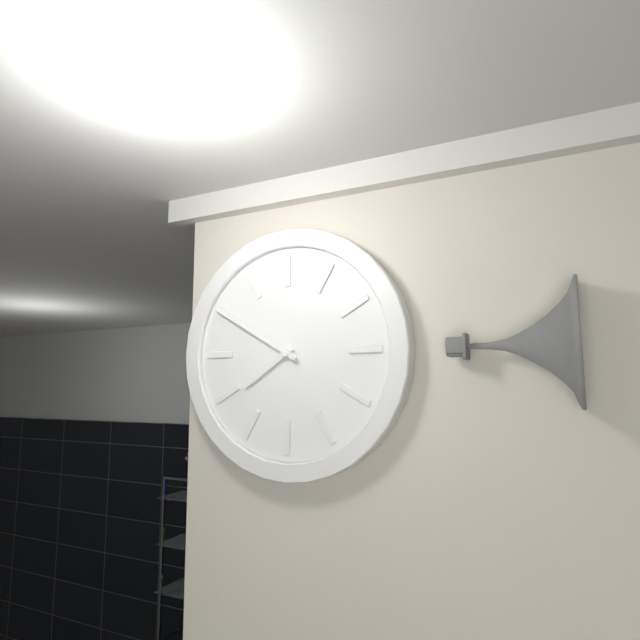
7:50
